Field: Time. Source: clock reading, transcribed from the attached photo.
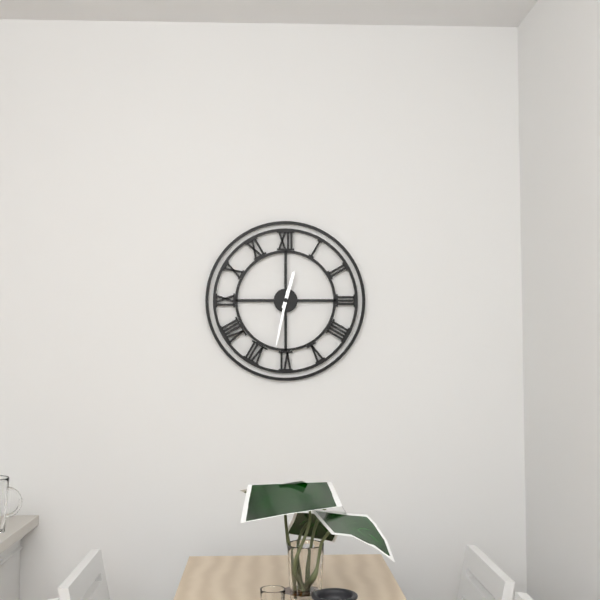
12:32
